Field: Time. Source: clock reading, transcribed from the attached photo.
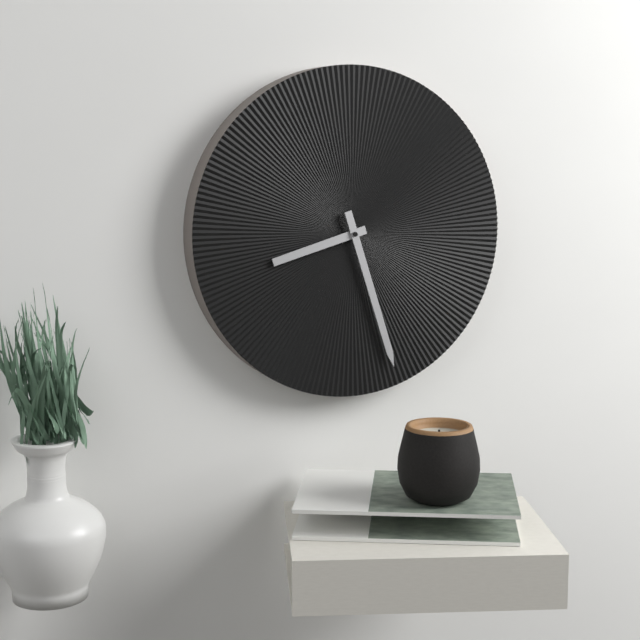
8:27
